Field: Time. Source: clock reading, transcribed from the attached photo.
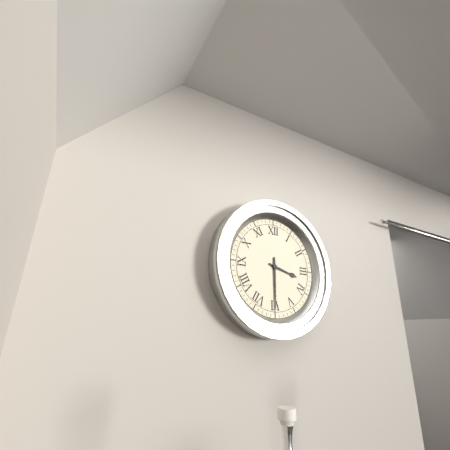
3:30
